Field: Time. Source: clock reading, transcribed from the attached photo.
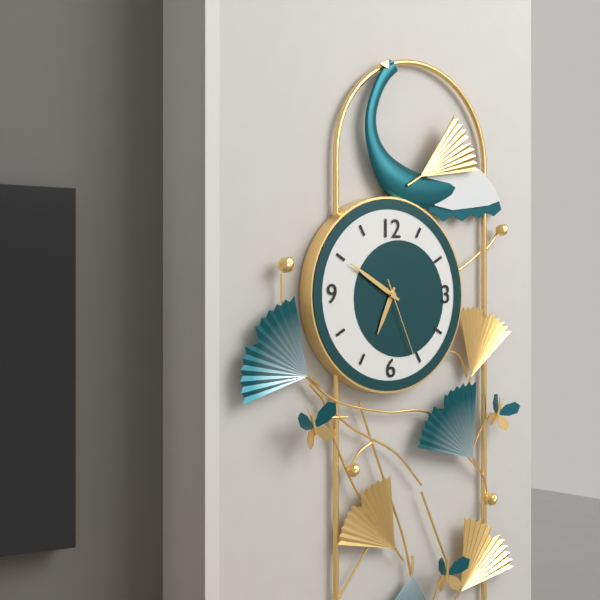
6:50:26
